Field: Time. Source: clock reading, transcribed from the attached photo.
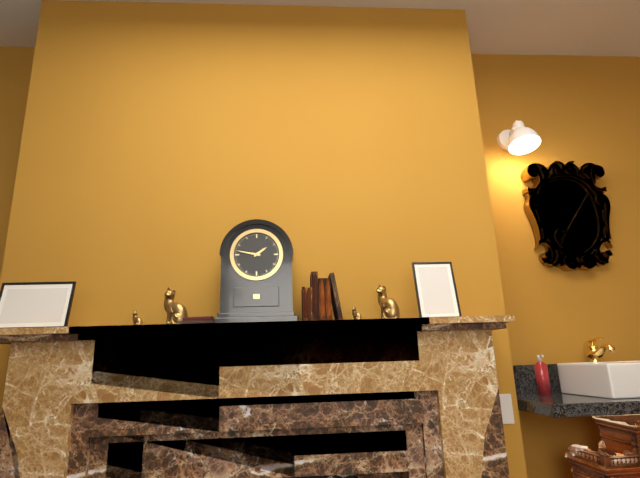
1:47
